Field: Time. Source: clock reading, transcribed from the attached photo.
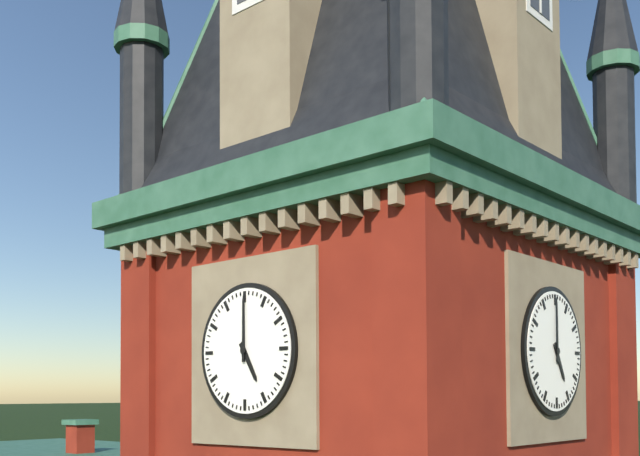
5:00
